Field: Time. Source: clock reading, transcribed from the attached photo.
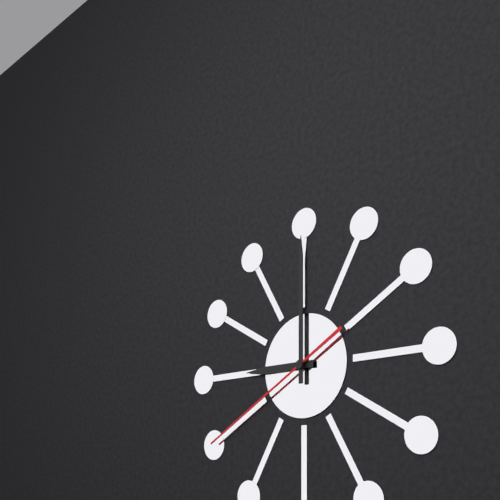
9:00:40
